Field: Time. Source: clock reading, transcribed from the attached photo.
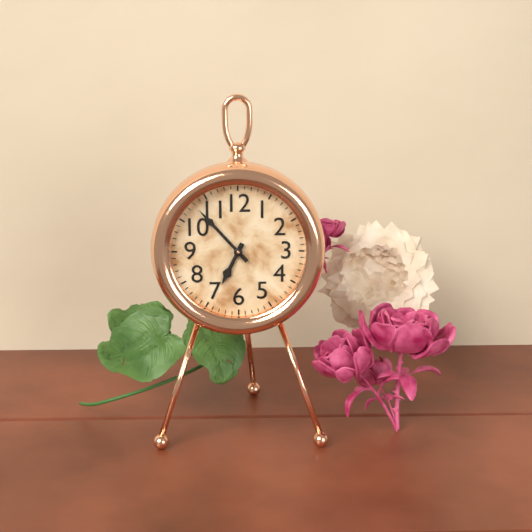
6:53
